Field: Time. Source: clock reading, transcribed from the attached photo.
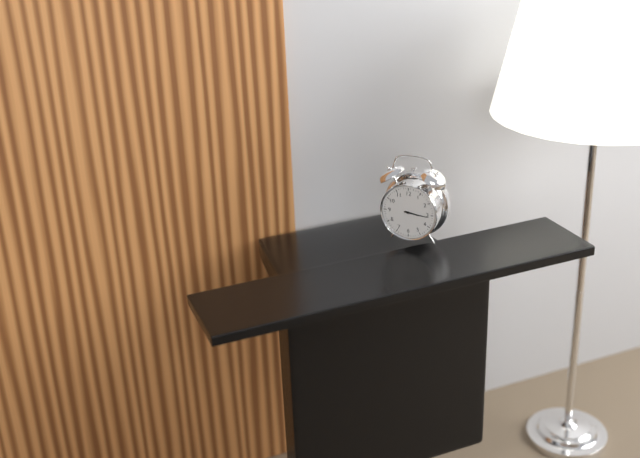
3:16
